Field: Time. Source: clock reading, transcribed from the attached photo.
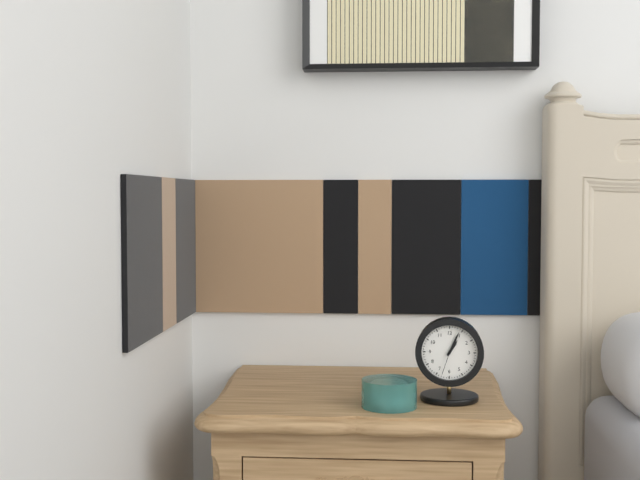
1:04
